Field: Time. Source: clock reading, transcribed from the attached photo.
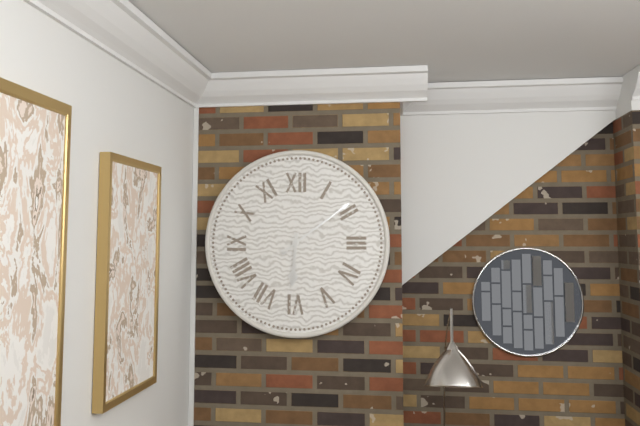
6:09
